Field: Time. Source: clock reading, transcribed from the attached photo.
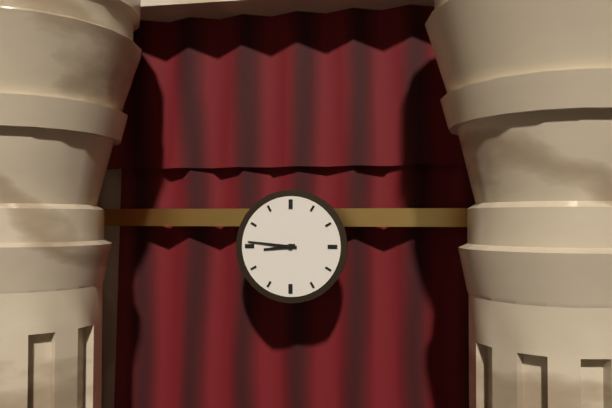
8:46
